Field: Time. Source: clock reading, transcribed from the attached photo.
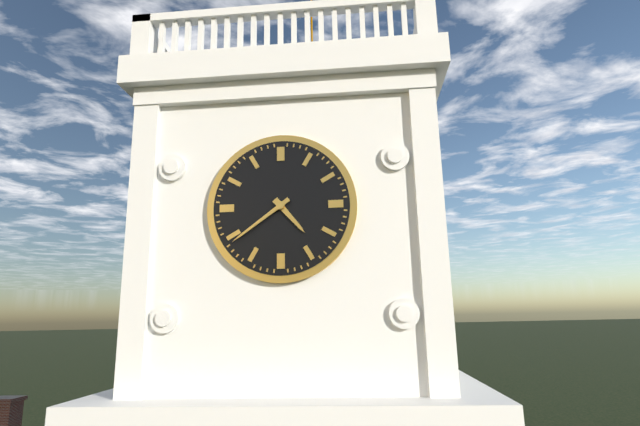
4:39
